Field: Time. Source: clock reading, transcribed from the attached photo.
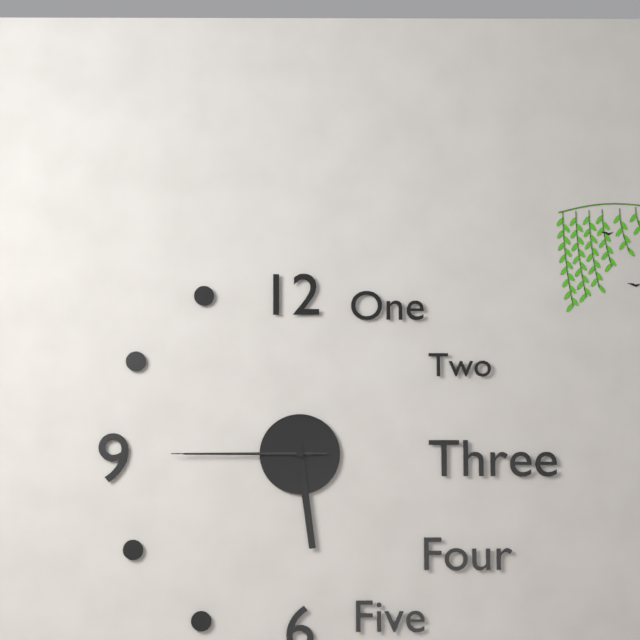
5:45:45
